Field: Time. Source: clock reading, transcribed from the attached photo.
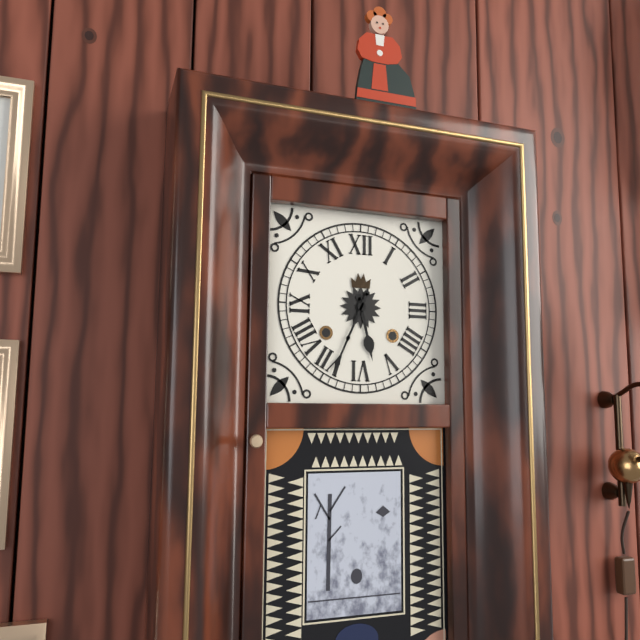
5:34
